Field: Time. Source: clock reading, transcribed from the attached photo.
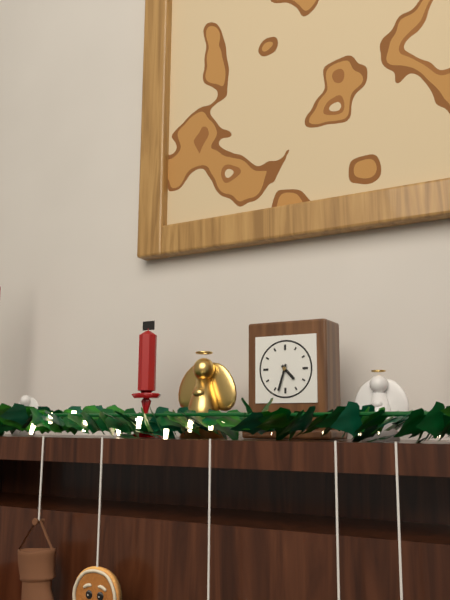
4:33
